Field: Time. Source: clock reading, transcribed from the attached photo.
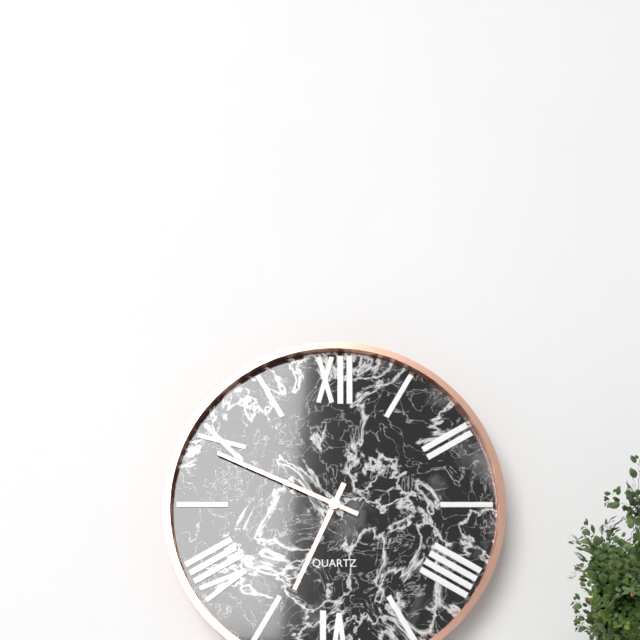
6:49
